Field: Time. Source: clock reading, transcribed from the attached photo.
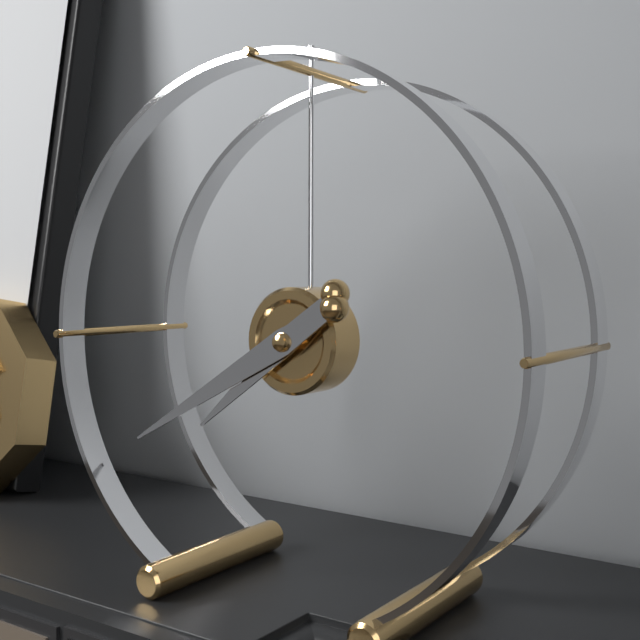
7:40
